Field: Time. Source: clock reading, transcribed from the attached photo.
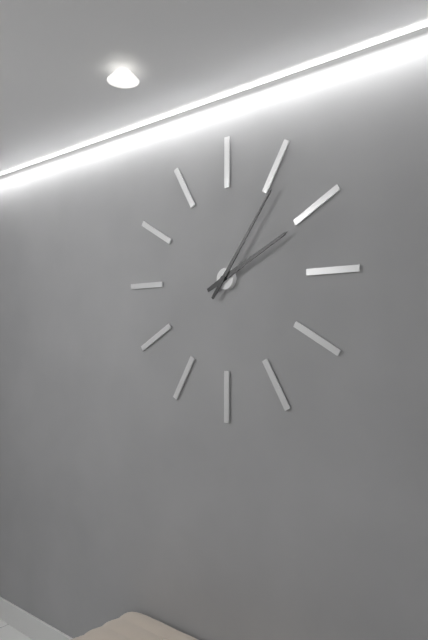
2:06
